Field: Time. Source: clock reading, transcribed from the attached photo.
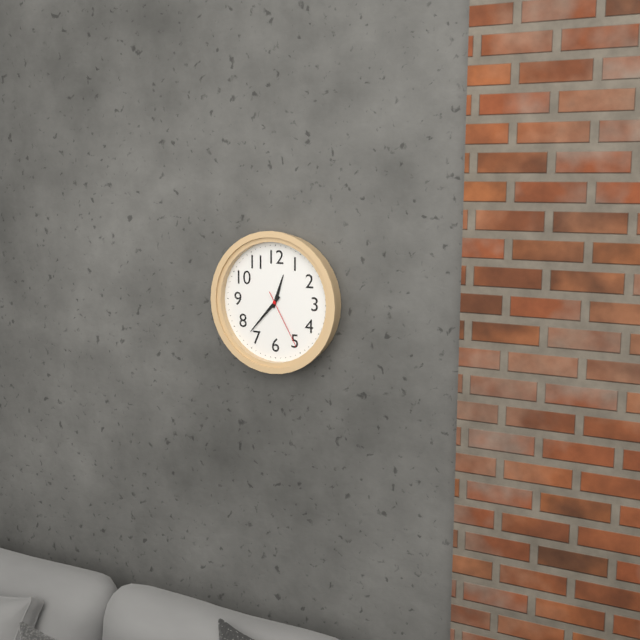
12:37:25
